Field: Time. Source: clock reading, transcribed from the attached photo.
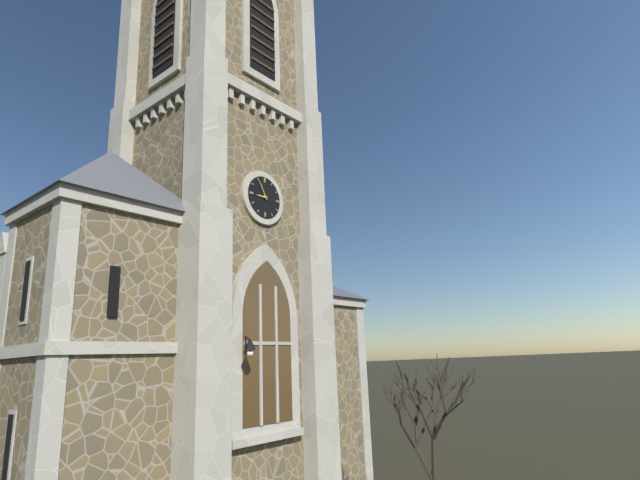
8:55
